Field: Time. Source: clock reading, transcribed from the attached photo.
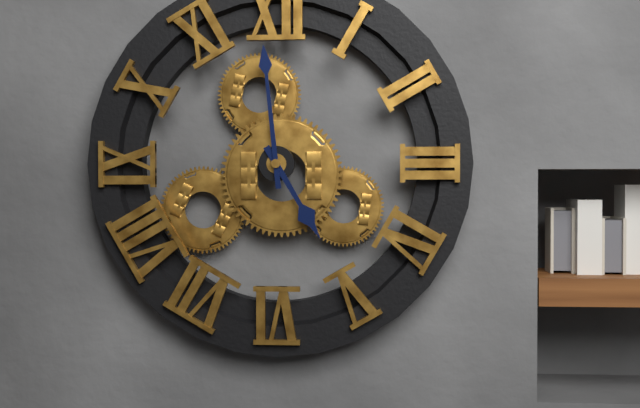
4:59
